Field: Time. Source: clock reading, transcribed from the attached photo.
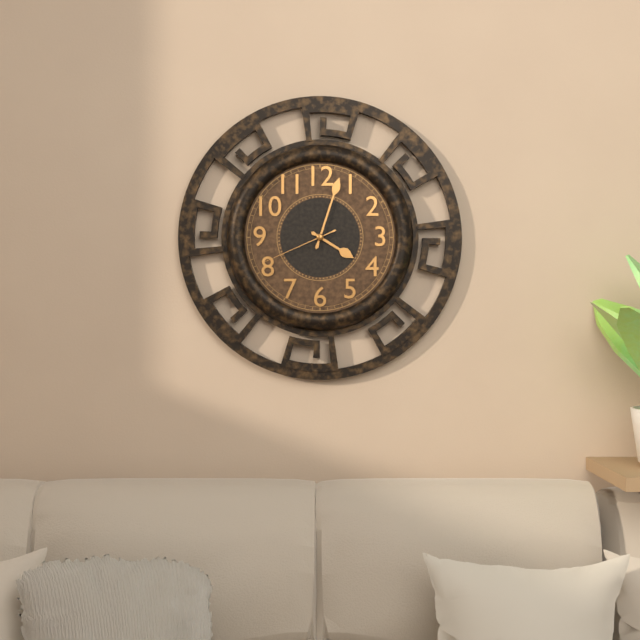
4:03:41
